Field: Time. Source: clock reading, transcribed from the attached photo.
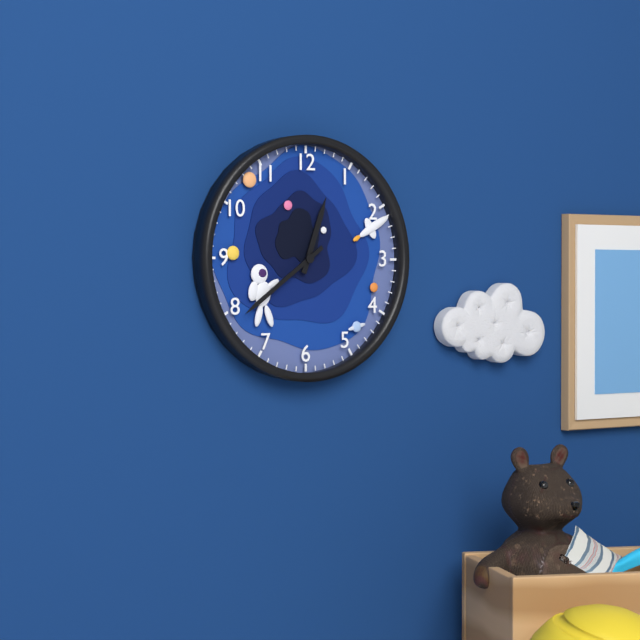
12:39
